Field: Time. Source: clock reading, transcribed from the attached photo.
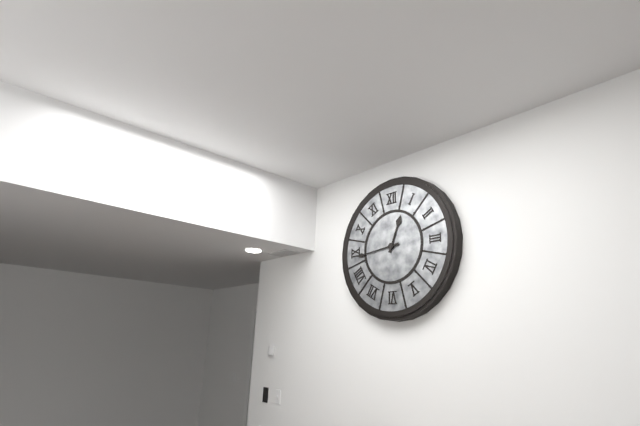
12:44
